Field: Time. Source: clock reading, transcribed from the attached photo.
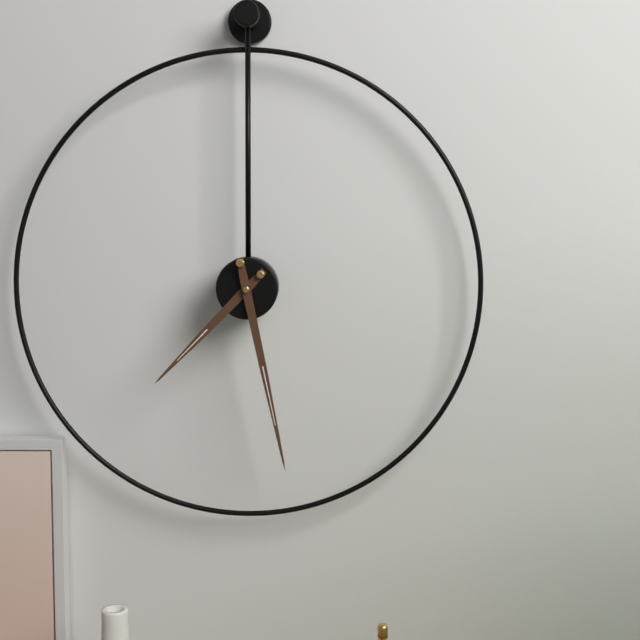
7:28
